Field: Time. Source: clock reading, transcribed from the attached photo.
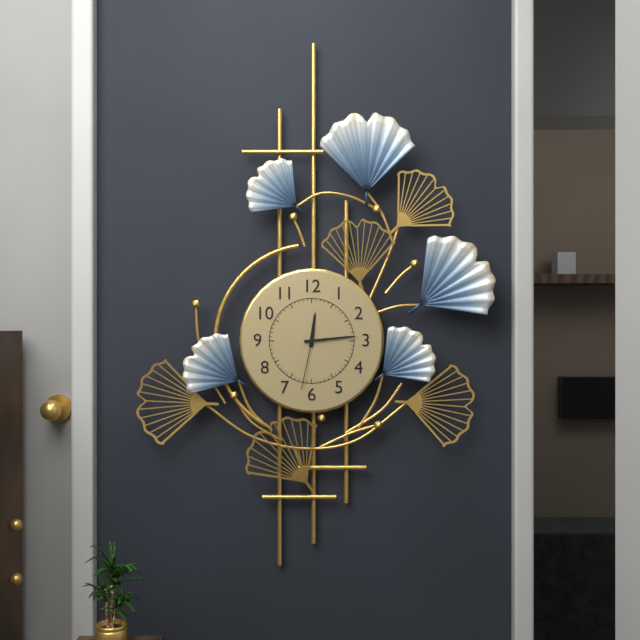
12:14:32
